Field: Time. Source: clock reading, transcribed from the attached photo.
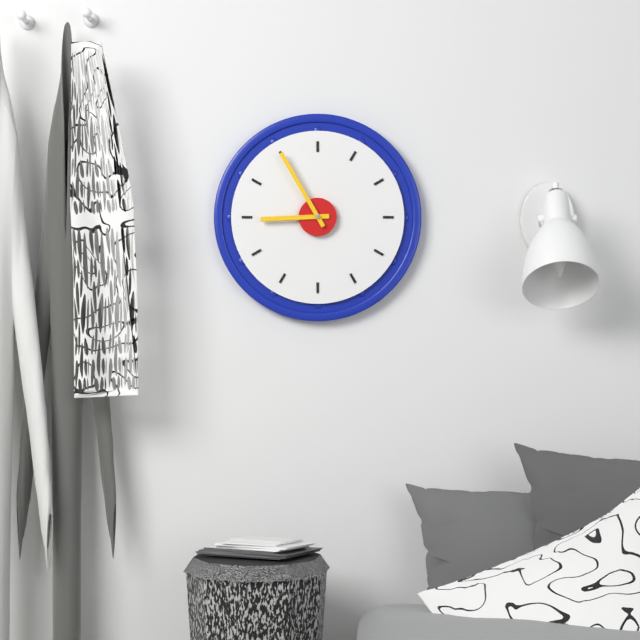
8:55
